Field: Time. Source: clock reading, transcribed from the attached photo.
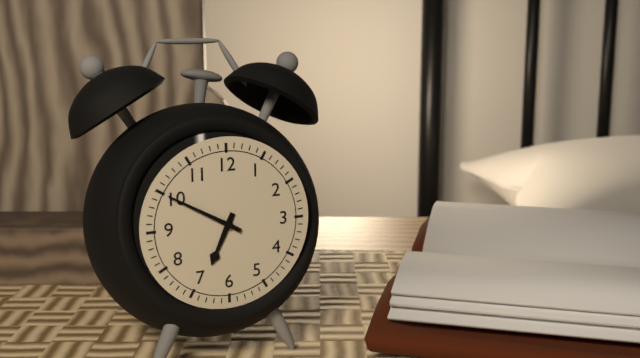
6:50
